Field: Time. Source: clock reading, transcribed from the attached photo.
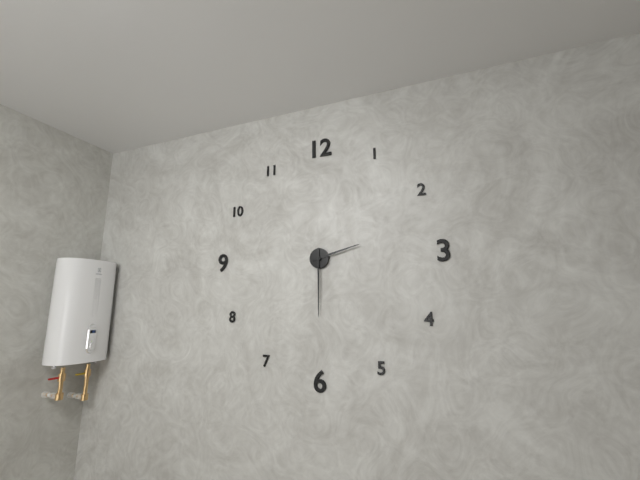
2:30
